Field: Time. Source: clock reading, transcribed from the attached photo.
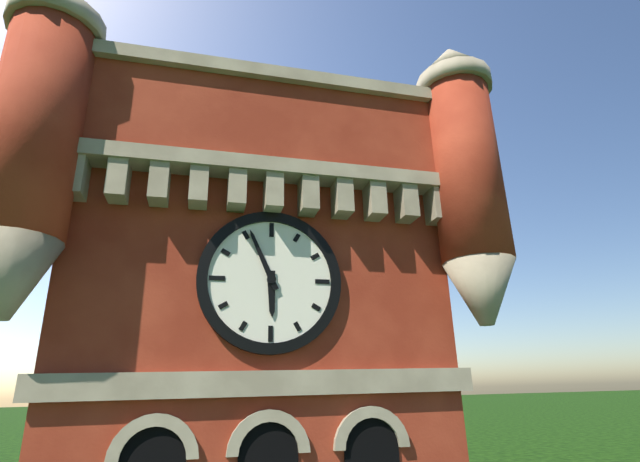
5:56
